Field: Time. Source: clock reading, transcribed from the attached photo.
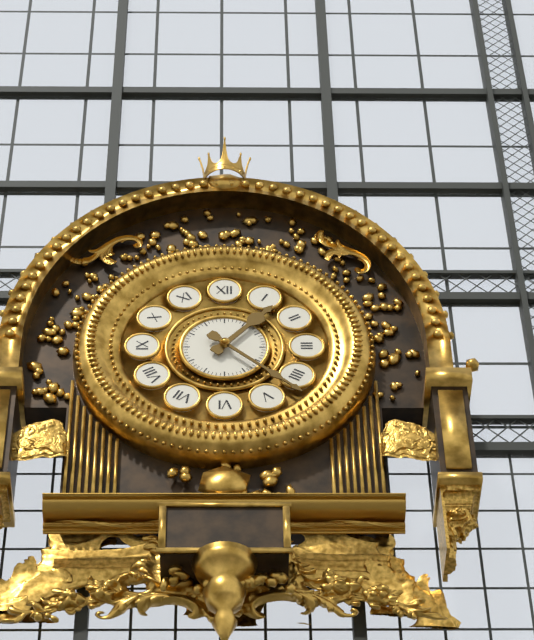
1:22
